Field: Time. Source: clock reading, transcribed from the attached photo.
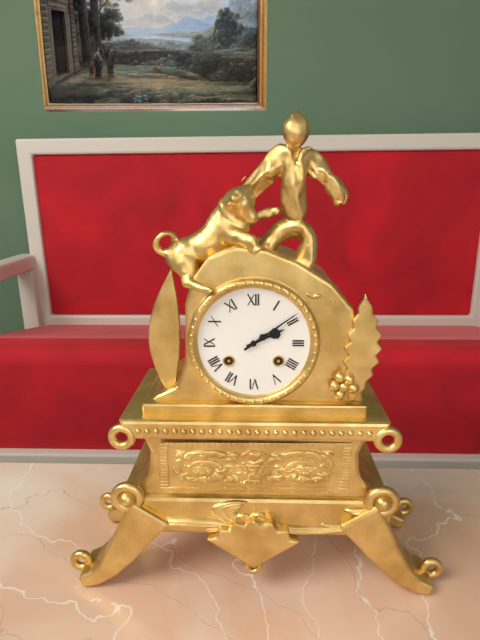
2:09
